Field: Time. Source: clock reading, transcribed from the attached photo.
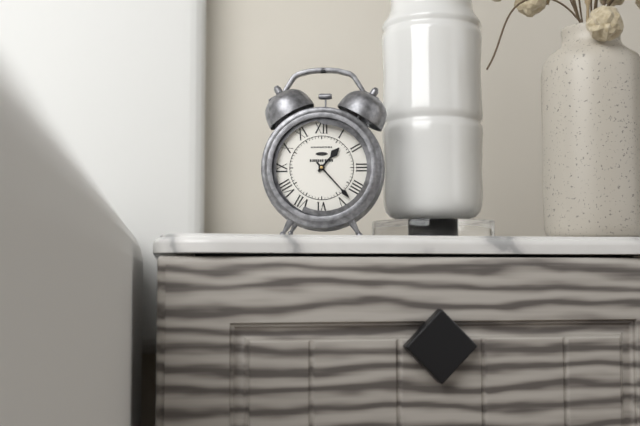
1:23
